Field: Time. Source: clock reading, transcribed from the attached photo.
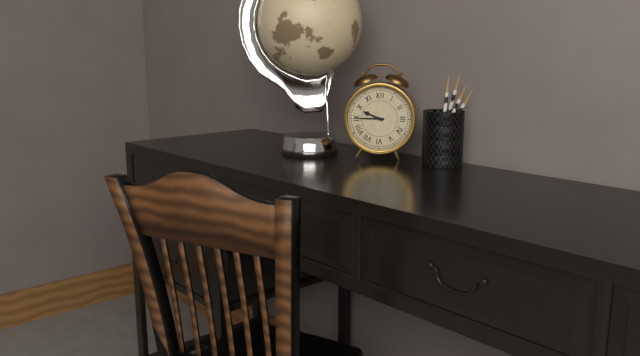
9:45
